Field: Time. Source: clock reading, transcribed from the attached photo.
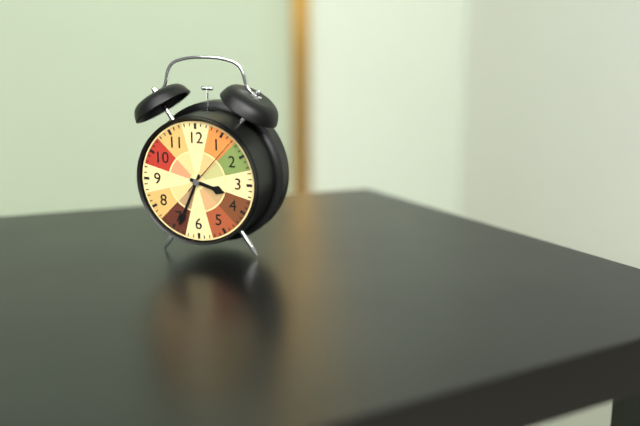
3:34:07
